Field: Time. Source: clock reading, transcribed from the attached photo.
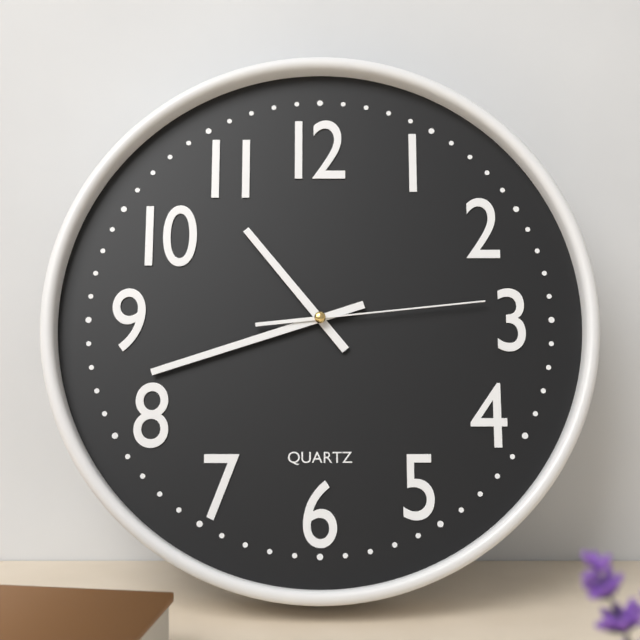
10:42:14
